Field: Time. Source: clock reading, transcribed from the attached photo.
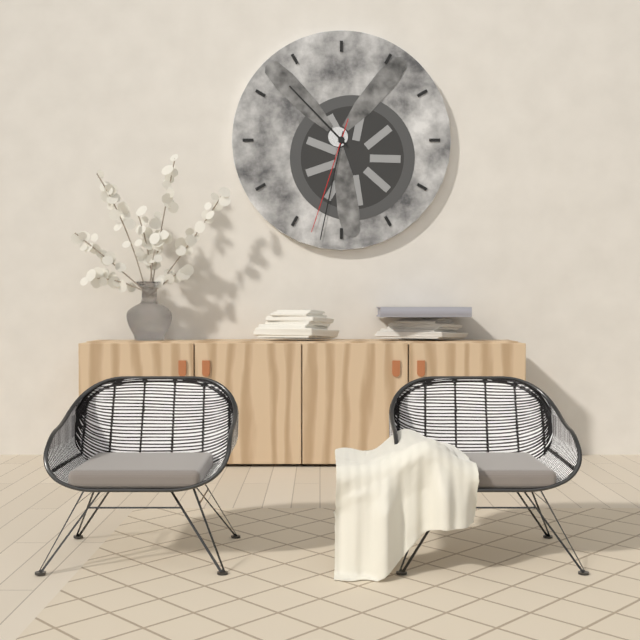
10:32:33
